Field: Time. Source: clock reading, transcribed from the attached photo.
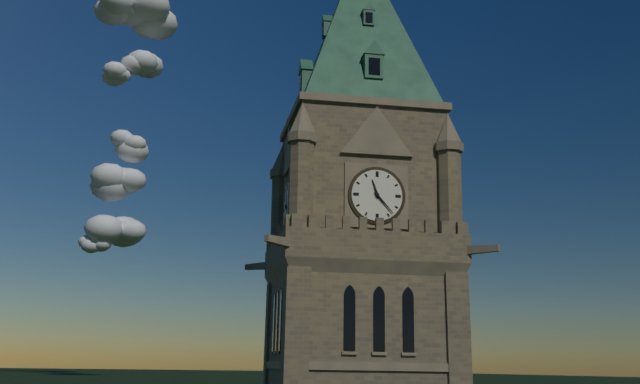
11:23
